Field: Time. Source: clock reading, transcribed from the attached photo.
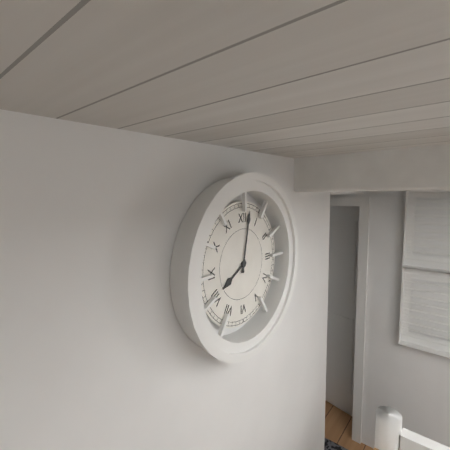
8:02
